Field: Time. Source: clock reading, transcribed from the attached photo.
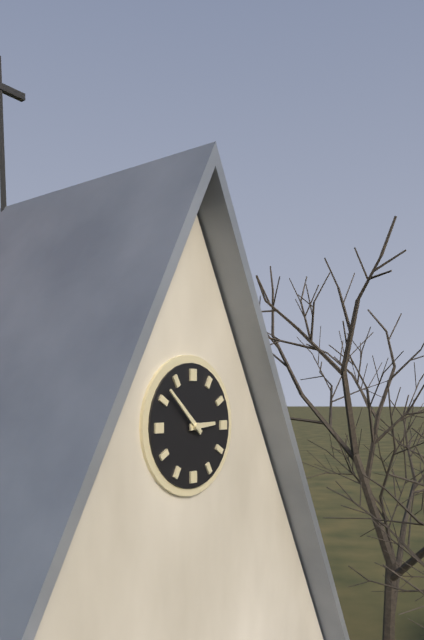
2:52
